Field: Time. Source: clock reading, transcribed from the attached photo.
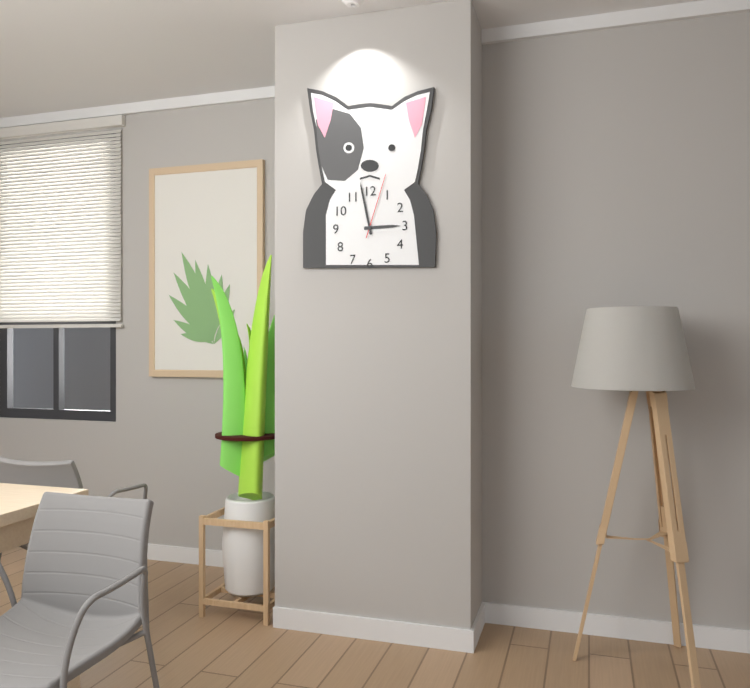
2:58:03
